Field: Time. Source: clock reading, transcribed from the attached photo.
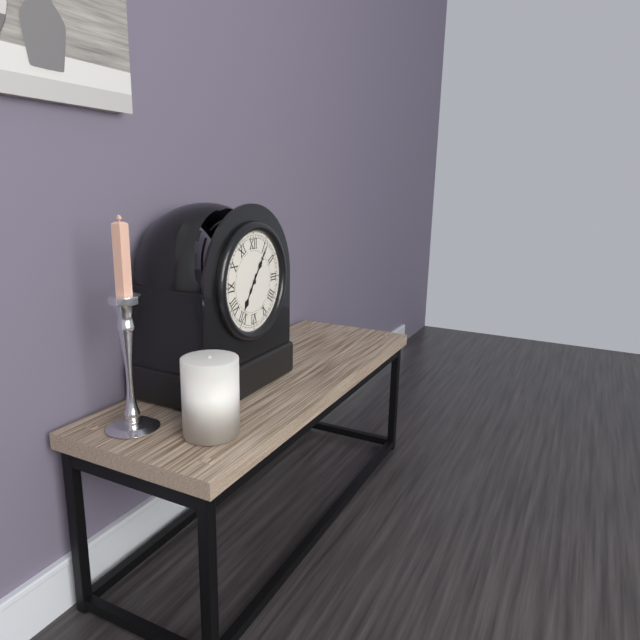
7:06
